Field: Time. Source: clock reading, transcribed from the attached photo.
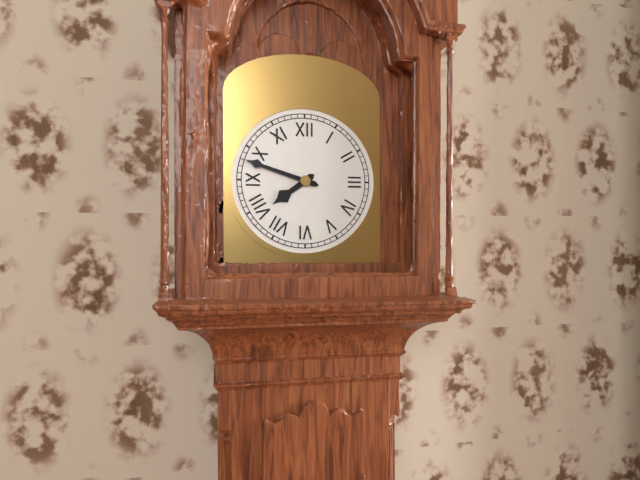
7:48
